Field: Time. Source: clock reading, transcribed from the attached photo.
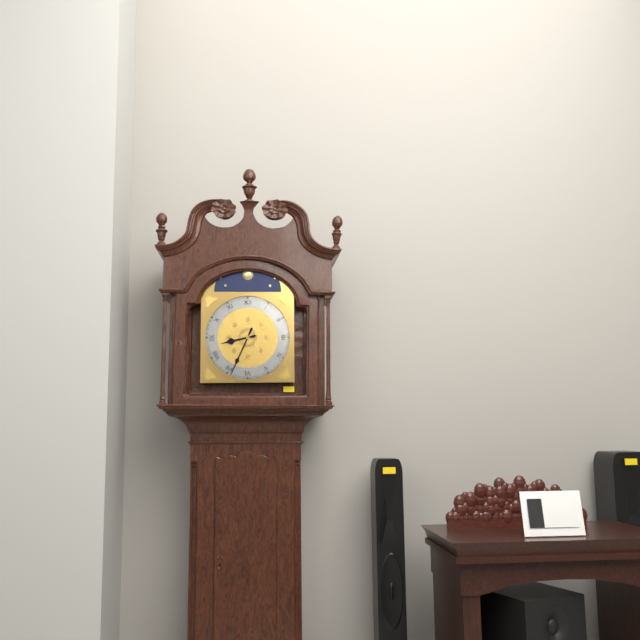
8:34
